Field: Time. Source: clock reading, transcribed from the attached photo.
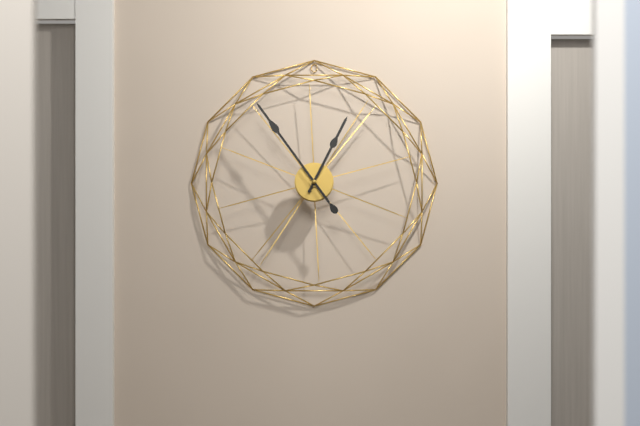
12:54
